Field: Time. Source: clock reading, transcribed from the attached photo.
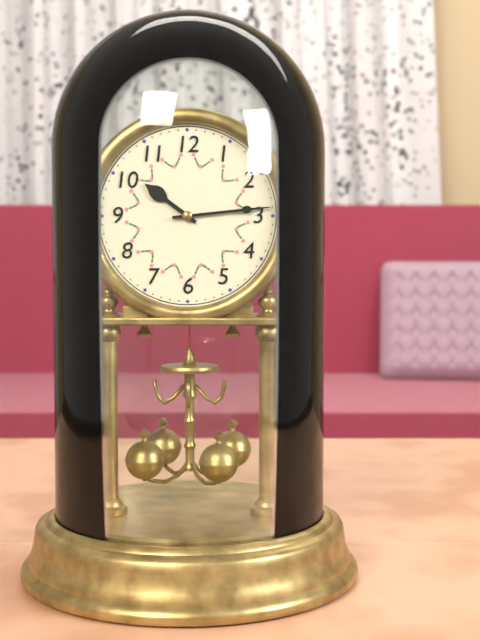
10:14
